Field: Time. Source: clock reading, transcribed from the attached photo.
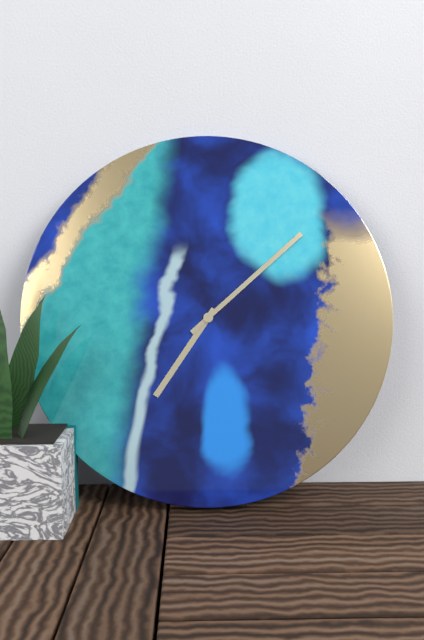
7:08
